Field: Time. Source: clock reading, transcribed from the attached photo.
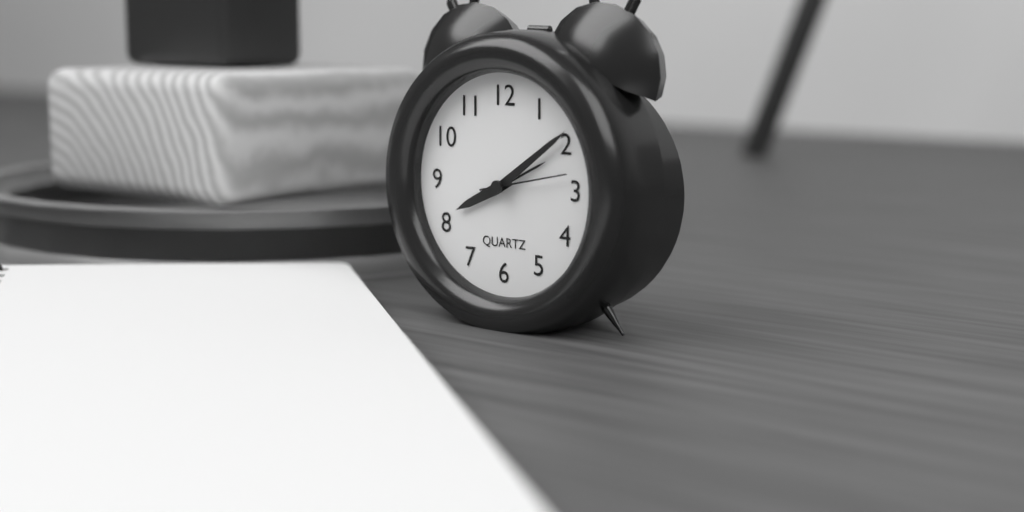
8:09:13
